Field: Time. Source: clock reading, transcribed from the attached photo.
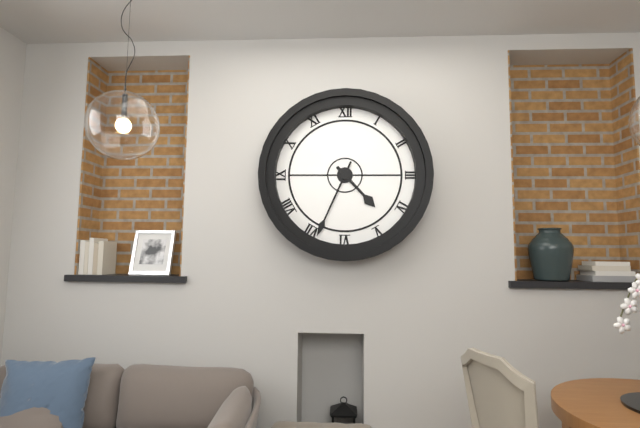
4:34
